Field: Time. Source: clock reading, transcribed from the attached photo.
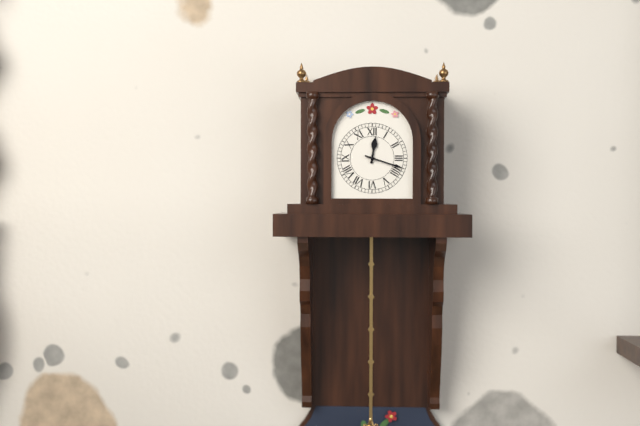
12:18
